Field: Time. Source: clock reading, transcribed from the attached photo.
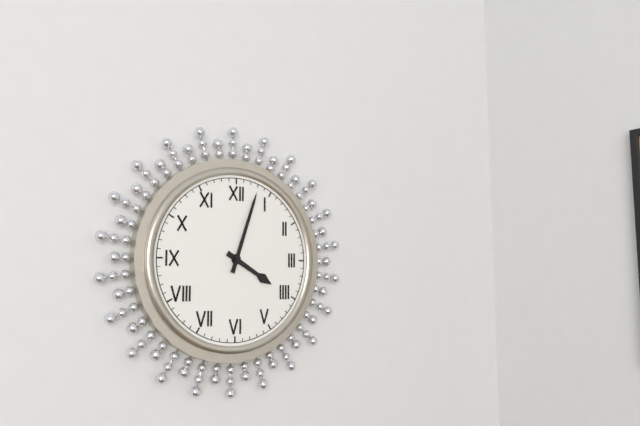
4:03
